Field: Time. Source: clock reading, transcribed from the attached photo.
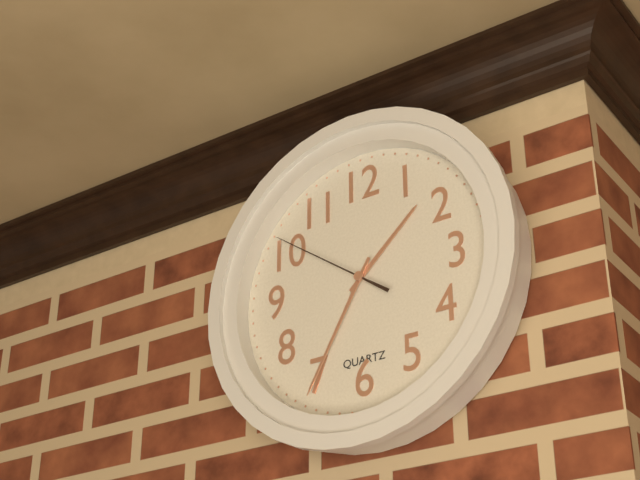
1:35:51
